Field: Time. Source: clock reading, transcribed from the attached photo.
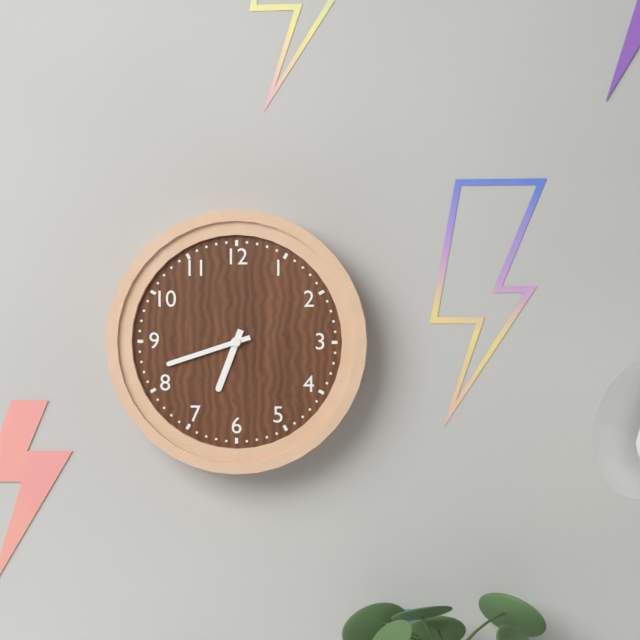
6:42
